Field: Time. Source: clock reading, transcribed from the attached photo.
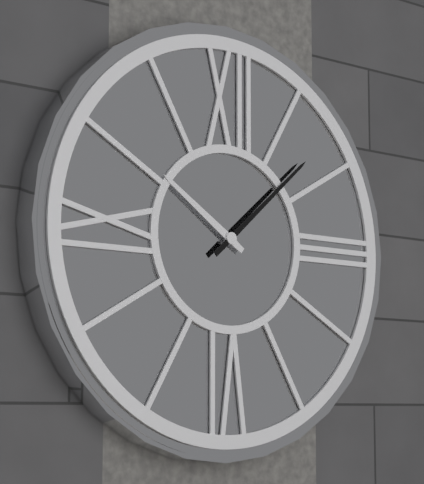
10:08
